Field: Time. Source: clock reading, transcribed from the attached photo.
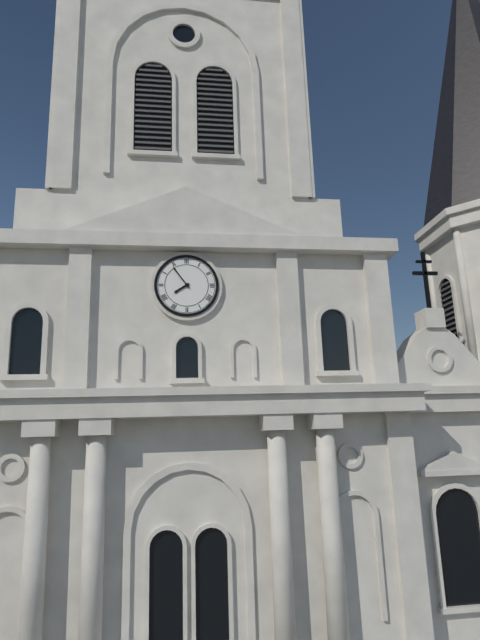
7:54
